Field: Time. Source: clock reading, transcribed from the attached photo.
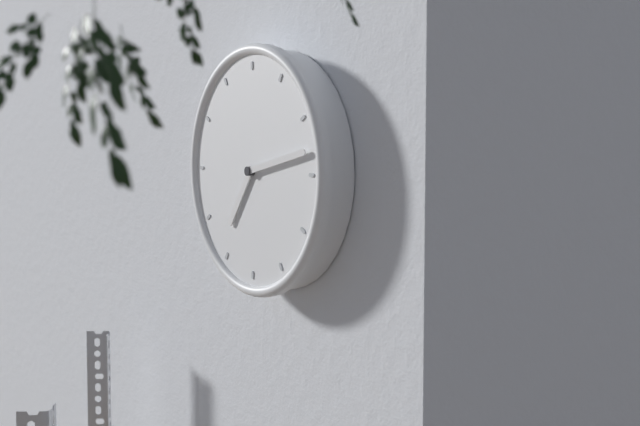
7:13
